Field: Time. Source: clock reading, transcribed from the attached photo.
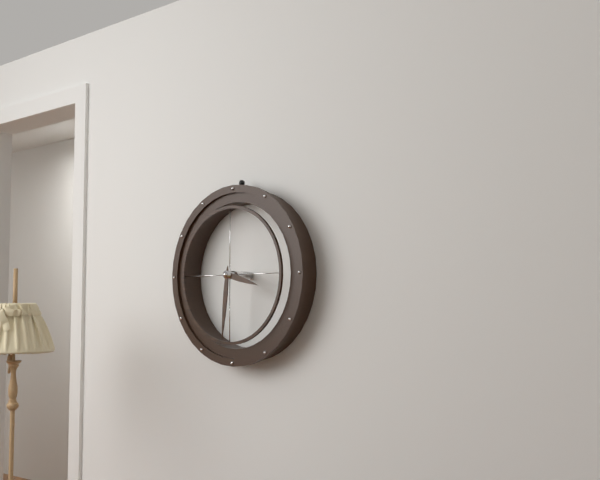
3:31
